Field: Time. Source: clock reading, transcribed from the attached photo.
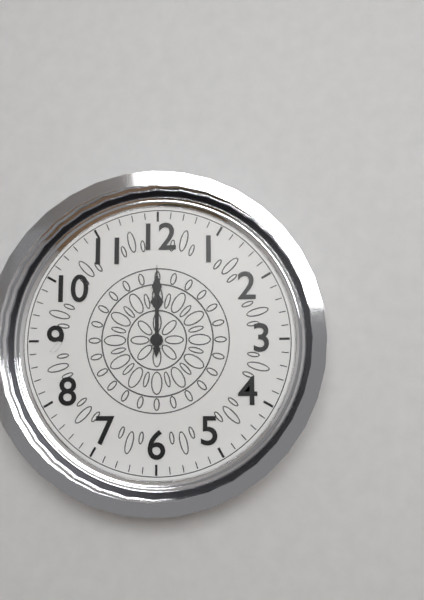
12:00
